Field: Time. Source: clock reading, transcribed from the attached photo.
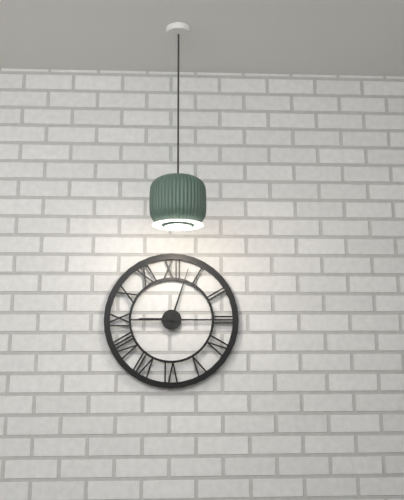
9:03
